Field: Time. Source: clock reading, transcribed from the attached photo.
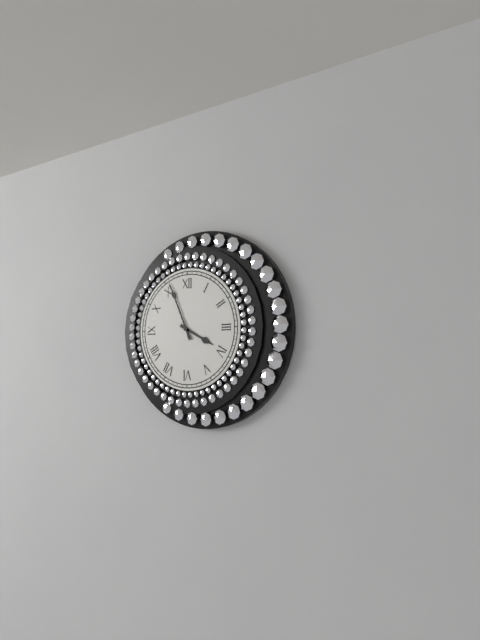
3:56
